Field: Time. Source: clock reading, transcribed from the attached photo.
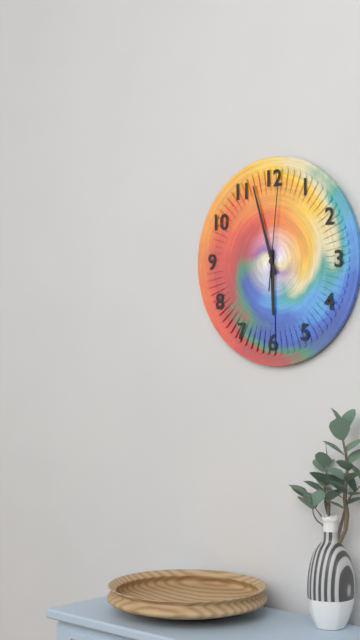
5:57:01
